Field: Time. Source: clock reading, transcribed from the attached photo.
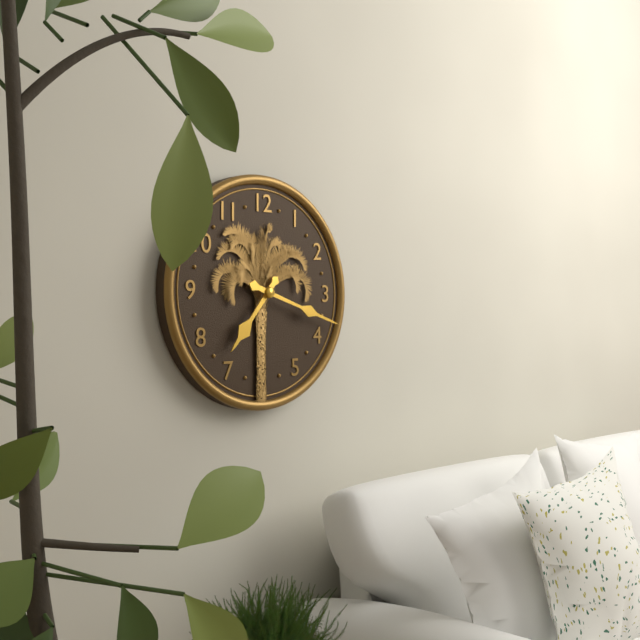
7:18
